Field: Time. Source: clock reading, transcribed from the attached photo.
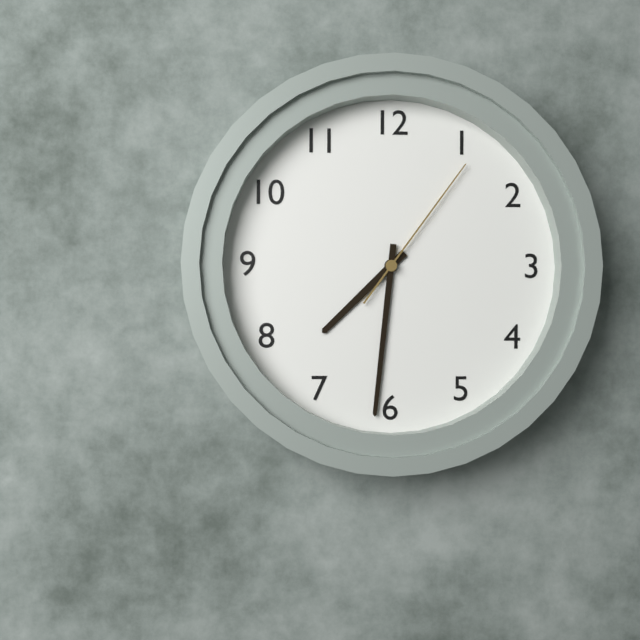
7:31:06
